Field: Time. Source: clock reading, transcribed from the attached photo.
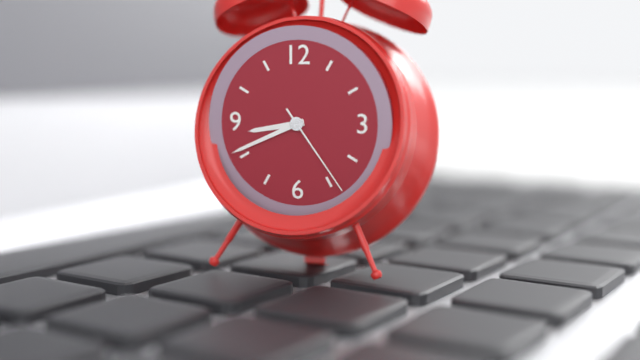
8:41:24
